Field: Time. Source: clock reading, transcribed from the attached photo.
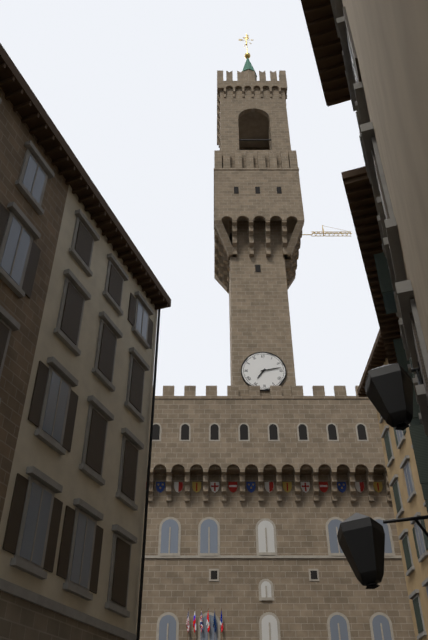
7:13
